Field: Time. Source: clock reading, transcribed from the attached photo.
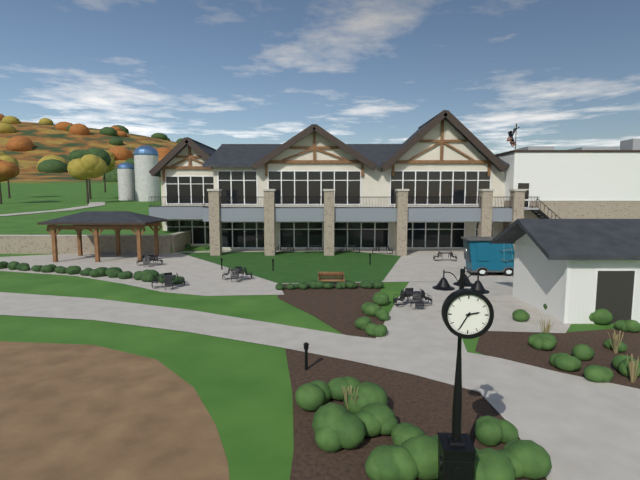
2:35
